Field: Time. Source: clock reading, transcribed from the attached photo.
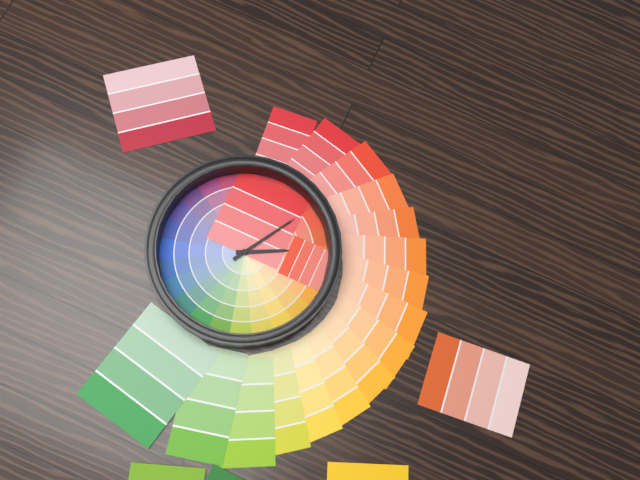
2:05
